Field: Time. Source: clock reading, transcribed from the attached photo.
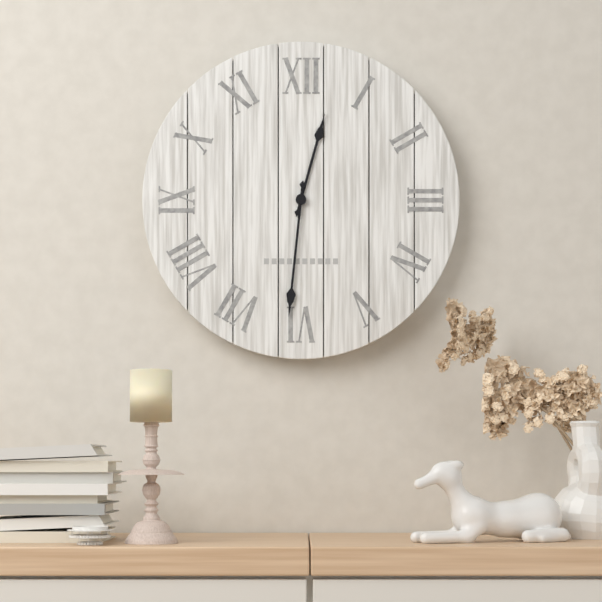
12:31
